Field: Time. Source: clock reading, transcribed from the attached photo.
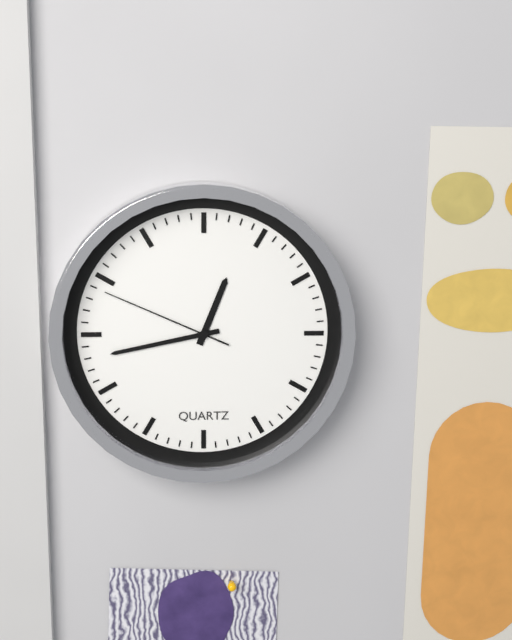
12:43:49
